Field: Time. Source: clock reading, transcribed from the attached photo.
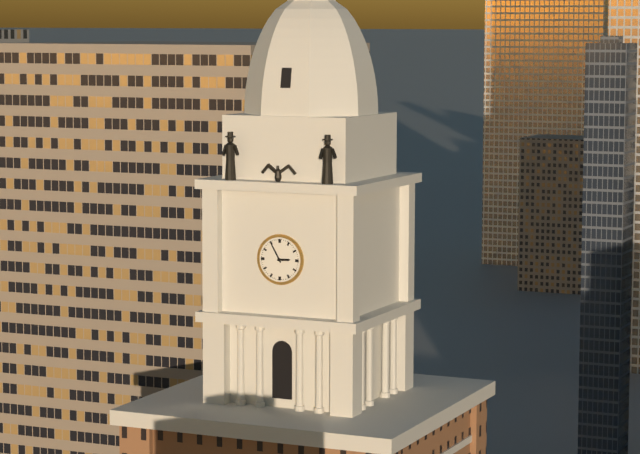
2:55
